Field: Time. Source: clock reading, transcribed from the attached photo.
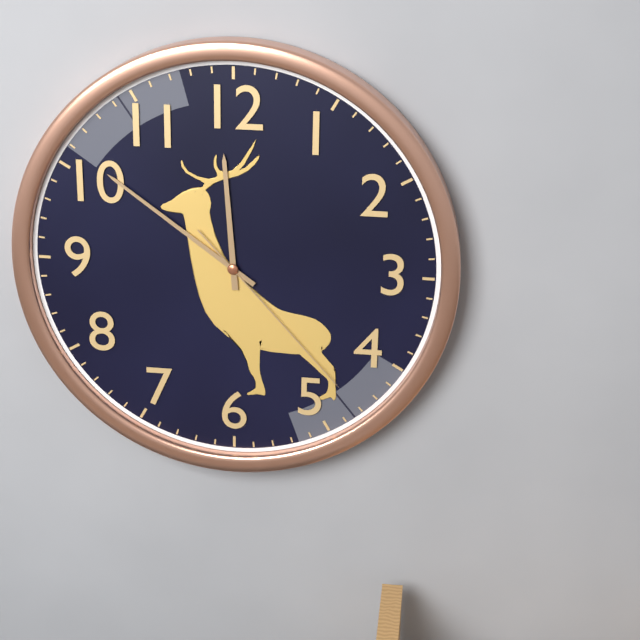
11:51:23
